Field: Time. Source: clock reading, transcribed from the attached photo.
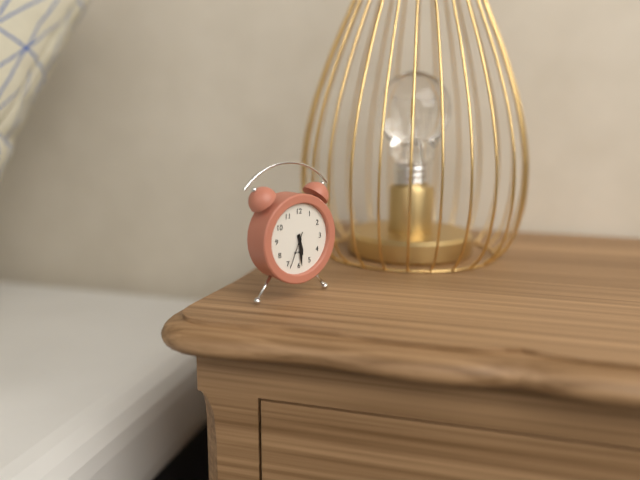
5:29
